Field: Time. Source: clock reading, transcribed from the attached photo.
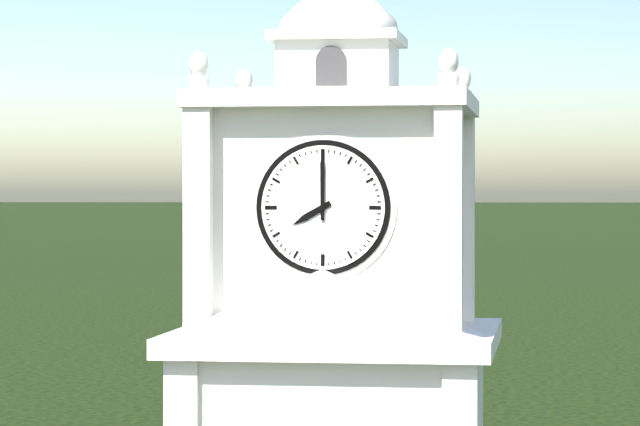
8:00
